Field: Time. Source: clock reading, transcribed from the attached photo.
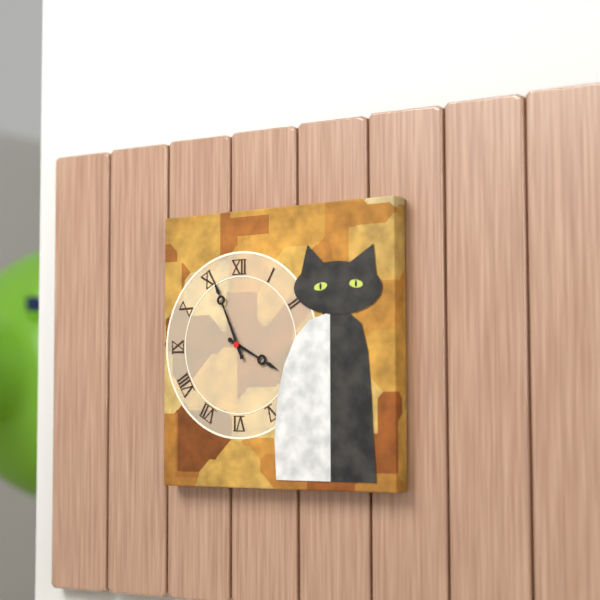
3:56
